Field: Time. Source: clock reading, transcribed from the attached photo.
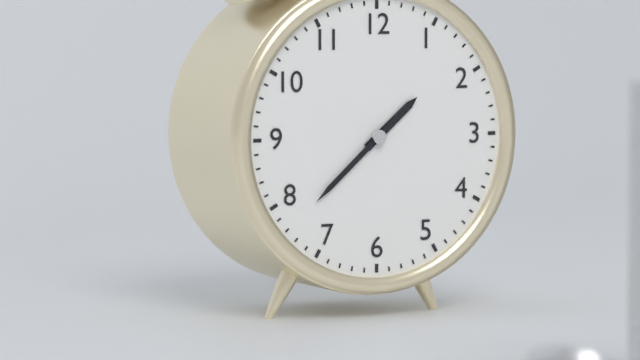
1:38
